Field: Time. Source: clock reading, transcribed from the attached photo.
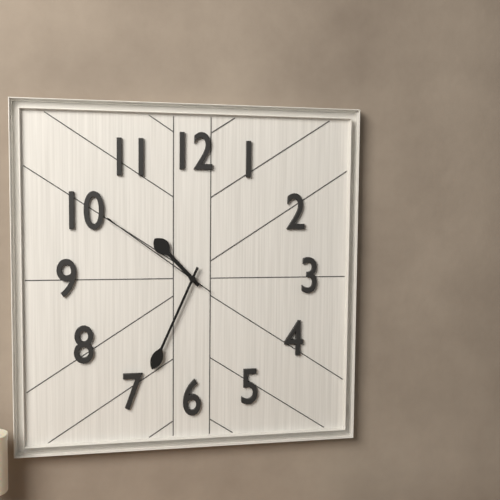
10:34:51
